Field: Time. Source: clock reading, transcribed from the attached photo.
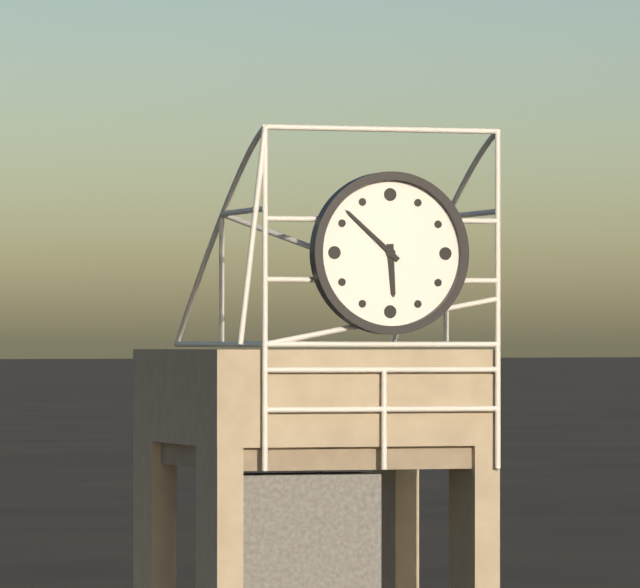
5:52
